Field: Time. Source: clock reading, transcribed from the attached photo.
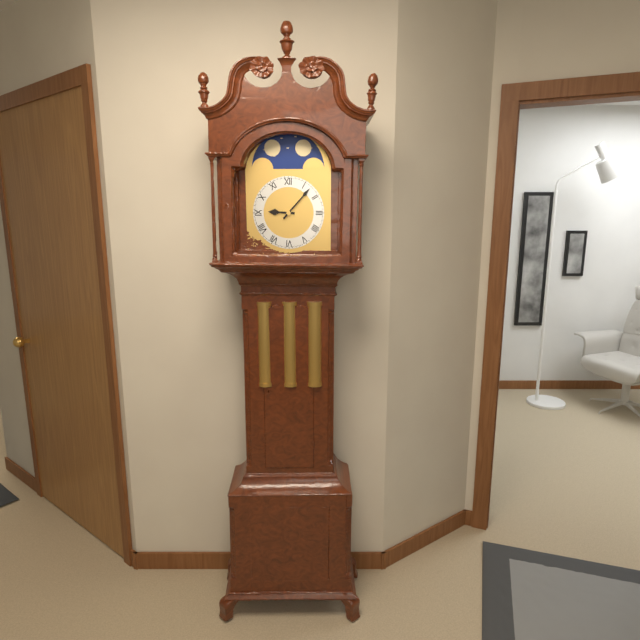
9:07
